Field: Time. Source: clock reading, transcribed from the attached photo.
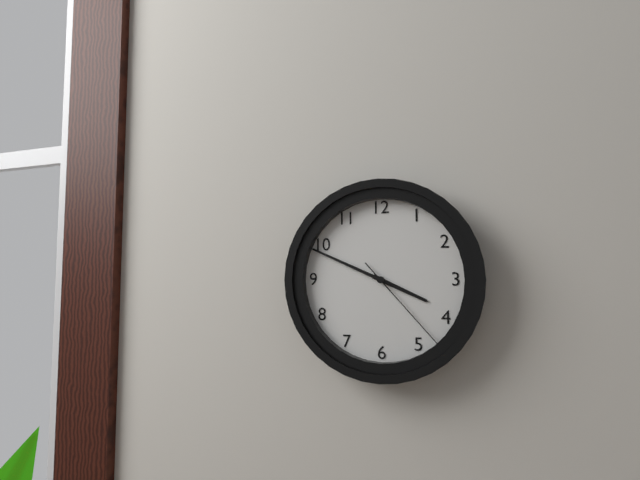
3:49:23
